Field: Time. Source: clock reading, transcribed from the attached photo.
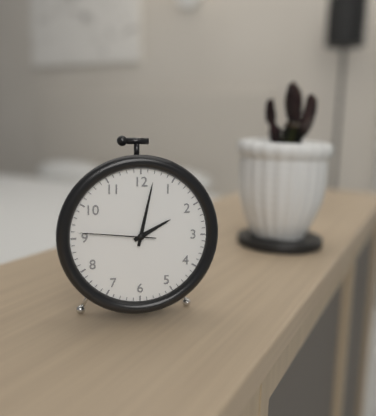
2:02:46
